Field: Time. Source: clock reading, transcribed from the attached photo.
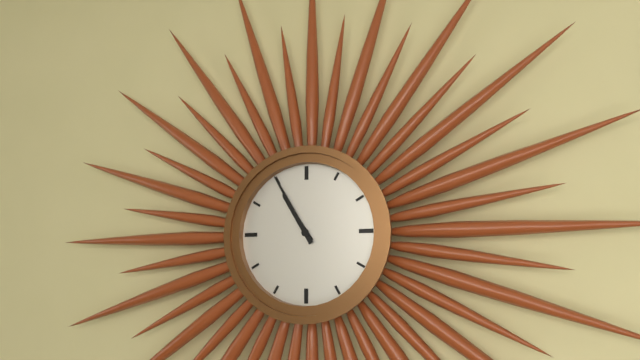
10:55
